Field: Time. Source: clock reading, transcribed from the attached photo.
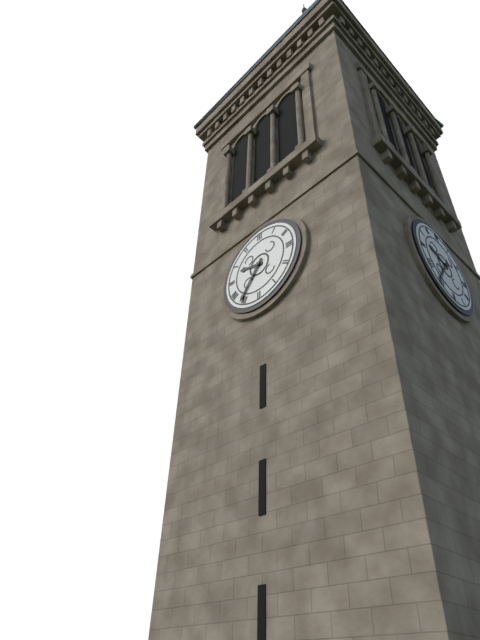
9:36
